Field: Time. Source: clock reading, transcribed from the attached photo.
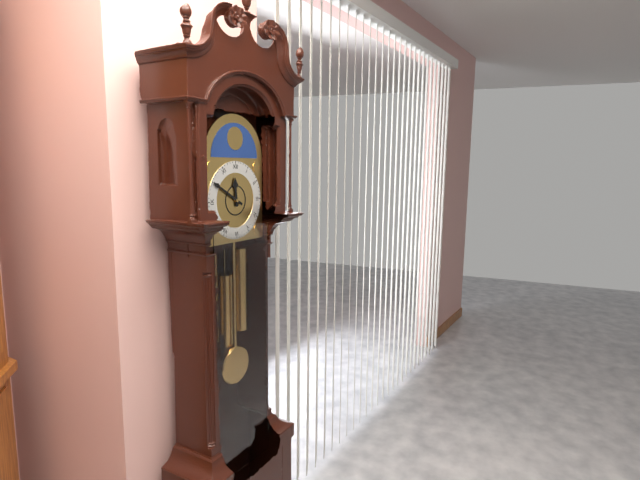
11:50
